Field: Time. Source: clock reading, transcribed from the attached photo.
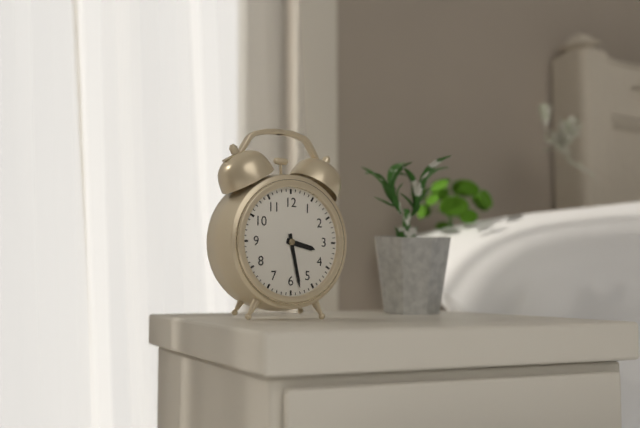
3:28
